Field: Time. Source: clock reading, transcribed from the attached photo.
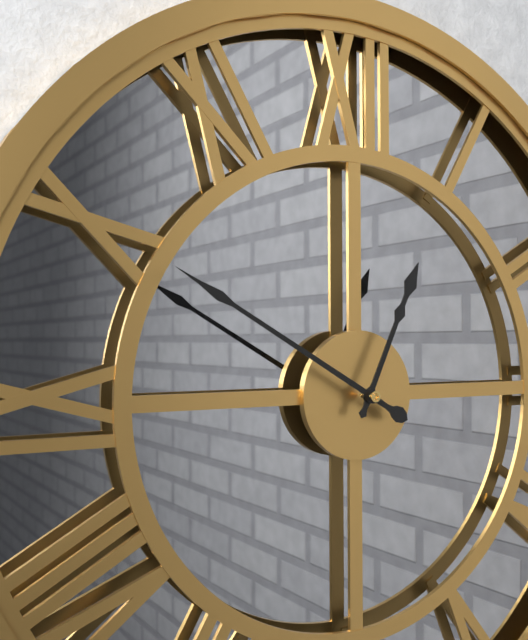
12:50
